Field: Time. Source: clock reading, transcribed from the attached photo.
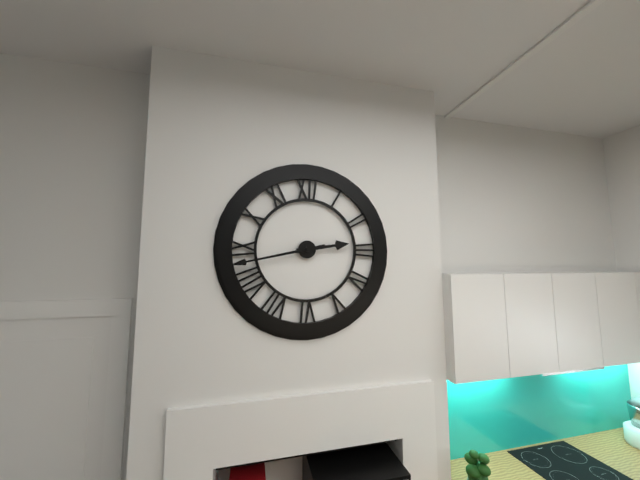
2:43
